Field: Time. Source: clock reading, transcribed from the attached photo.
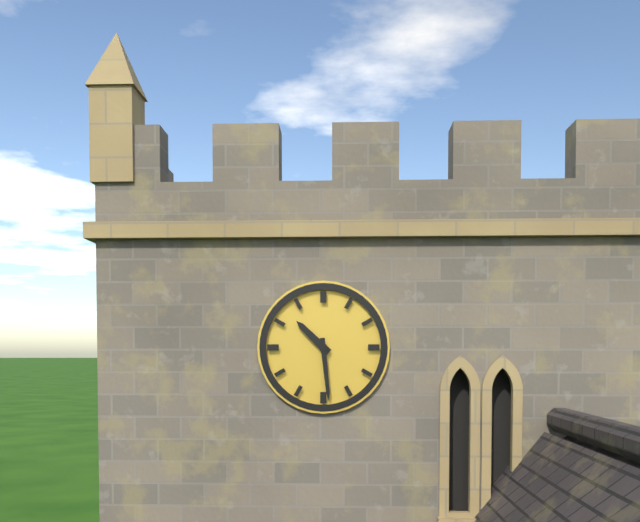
10:29
